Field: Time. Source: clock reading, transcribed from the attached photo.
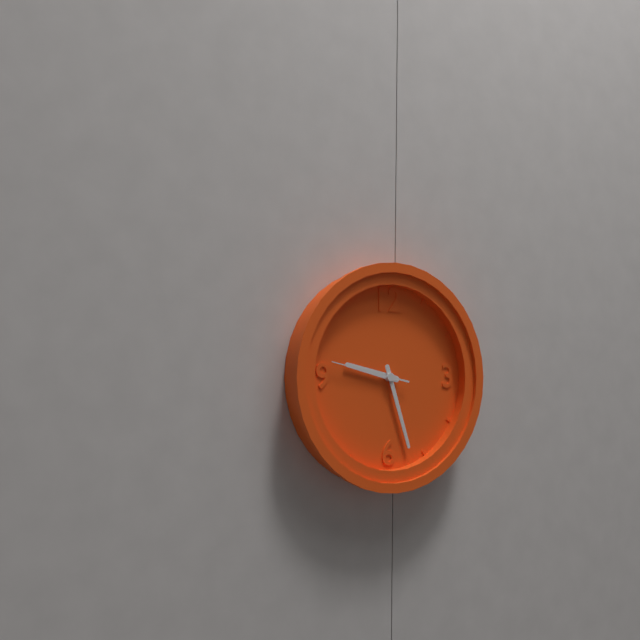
9:27:47
